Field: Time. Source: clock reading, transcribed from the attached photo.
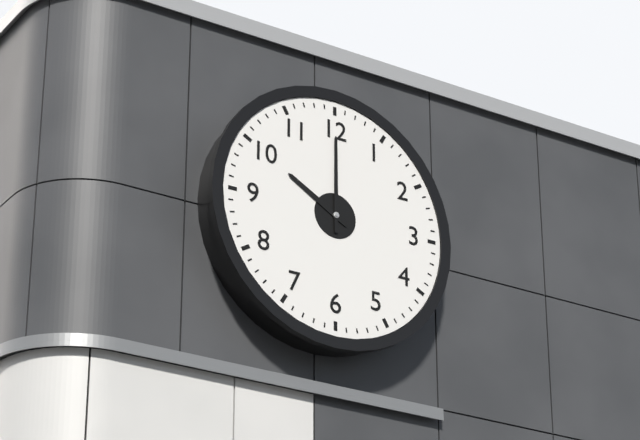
10:00
